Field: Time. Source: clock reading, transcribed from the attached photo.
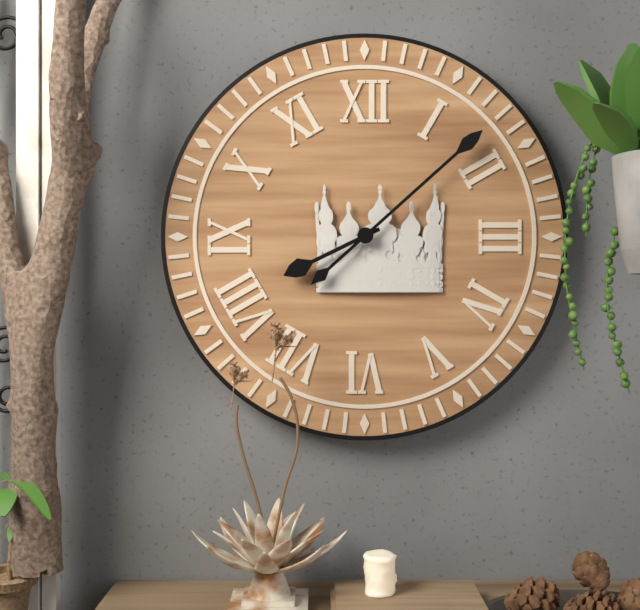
8:08
